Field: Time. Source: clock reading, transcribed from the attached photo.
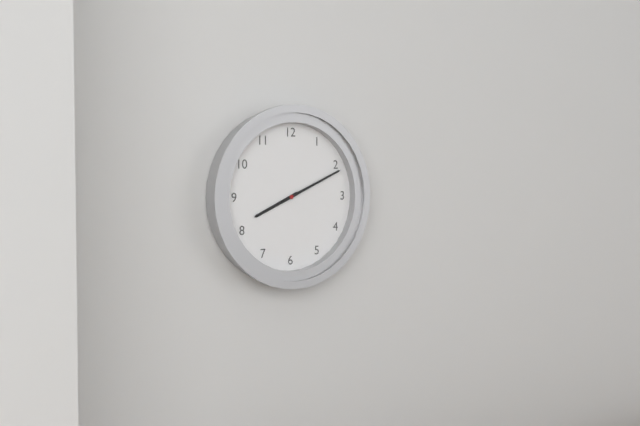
8:11
